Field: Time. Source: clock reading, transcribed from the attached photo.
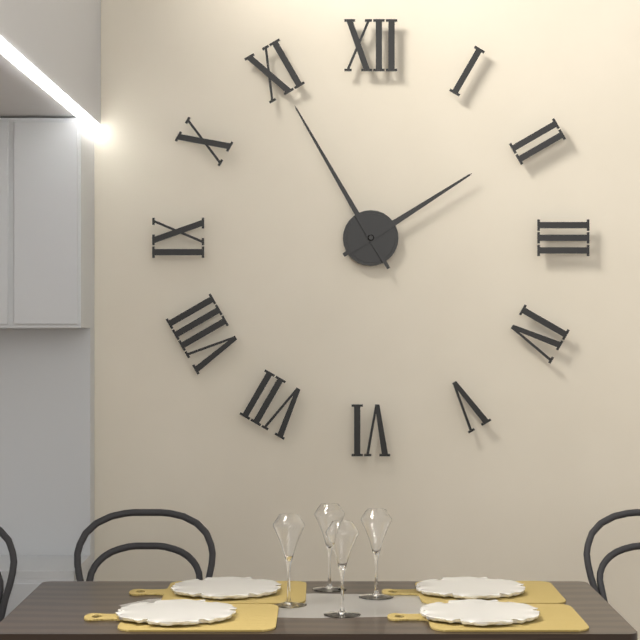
1:55
